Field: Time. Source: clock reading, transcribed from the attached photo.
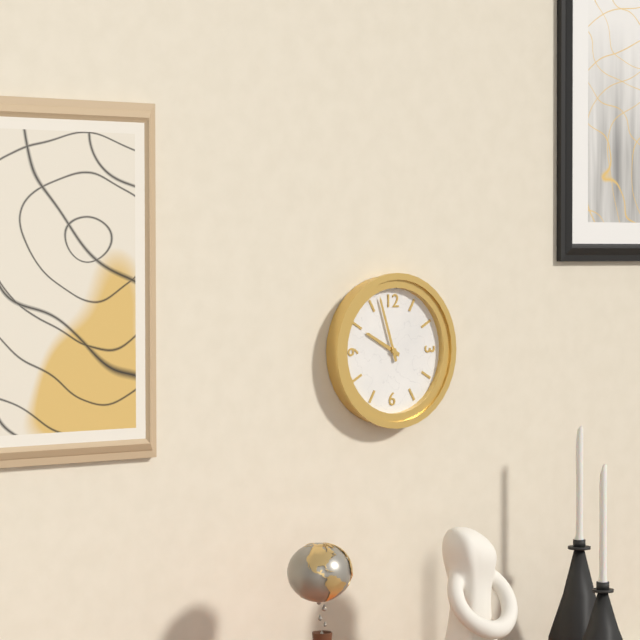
9:57
